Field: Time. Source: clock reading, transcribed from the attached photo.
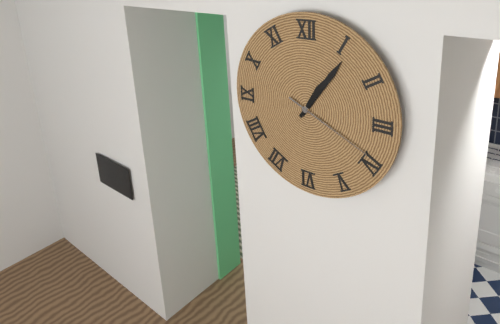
1:06:19
